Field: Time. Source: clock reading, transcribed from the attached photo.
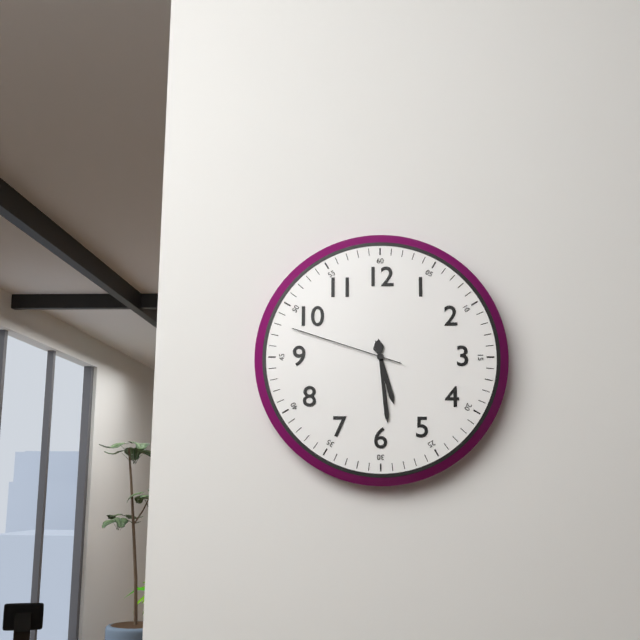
5:29:48
